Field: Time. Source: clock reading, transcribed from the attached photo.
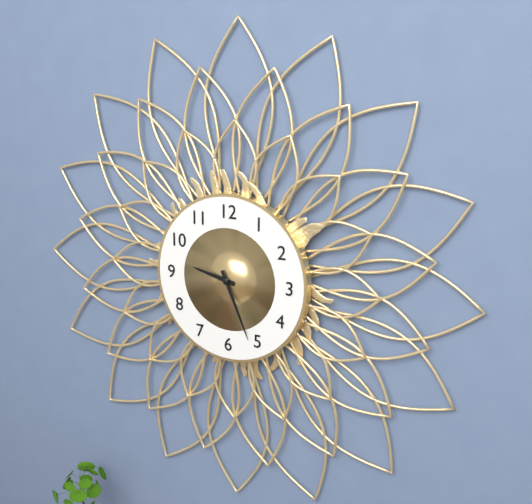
9:26
